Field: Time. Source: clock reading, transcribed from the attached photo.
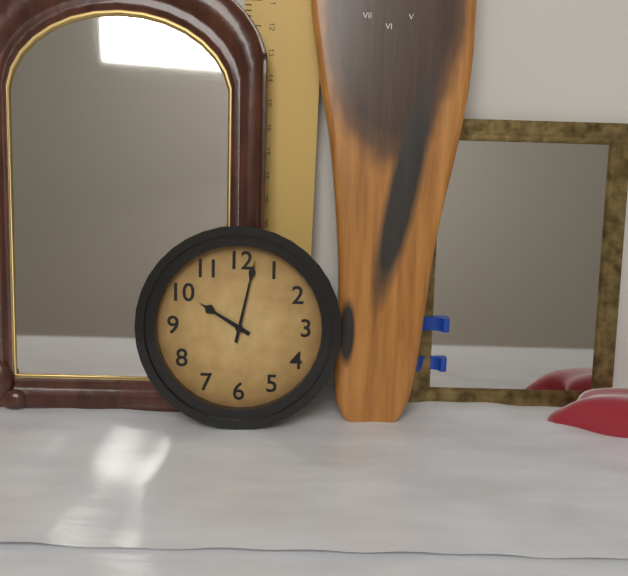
10:02
